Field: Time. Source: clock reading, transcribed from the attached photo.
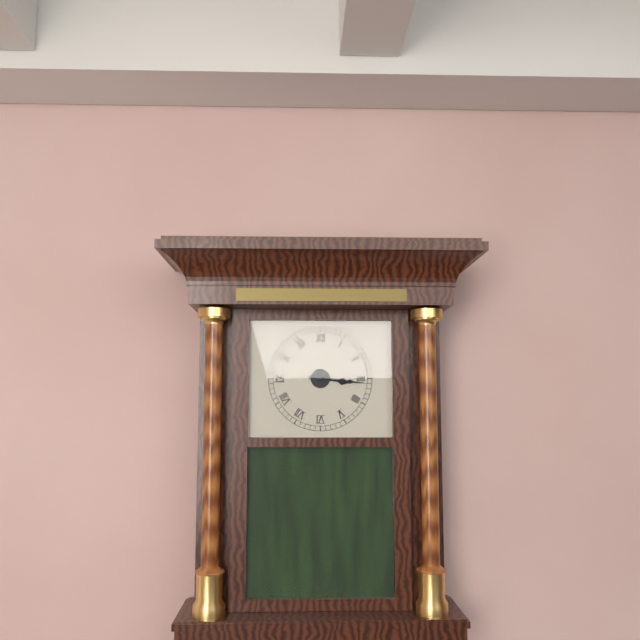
3:16
